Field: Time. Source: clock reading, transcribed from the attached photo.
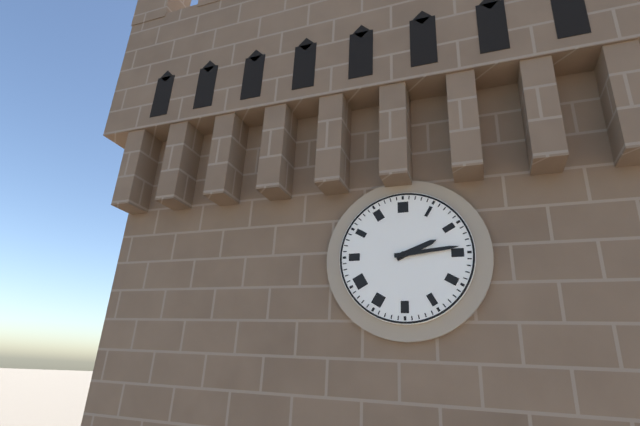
2:14
